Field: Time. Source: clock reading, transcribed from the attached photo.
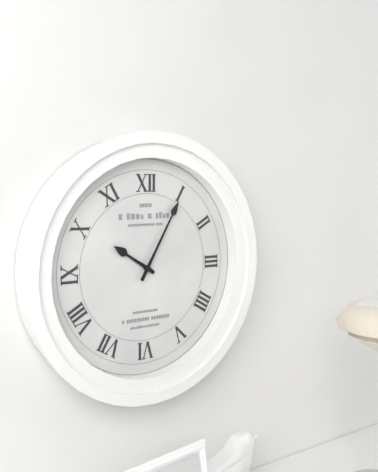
10:05
